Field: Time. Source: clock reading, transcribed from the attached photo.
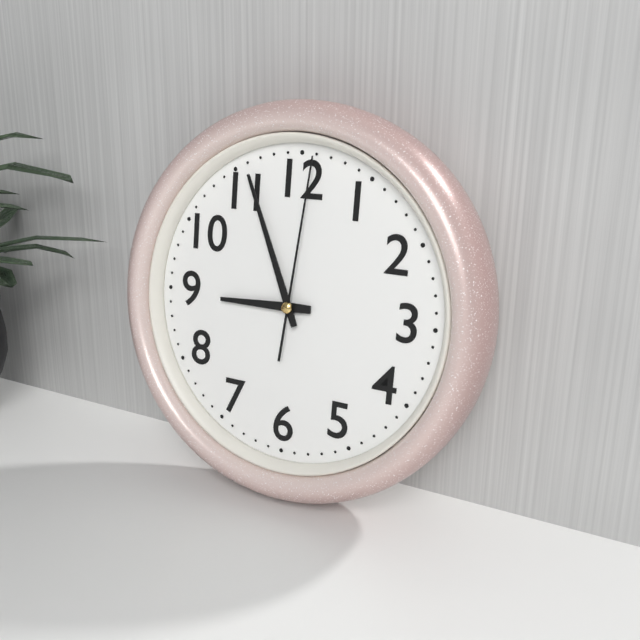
8:56:01
